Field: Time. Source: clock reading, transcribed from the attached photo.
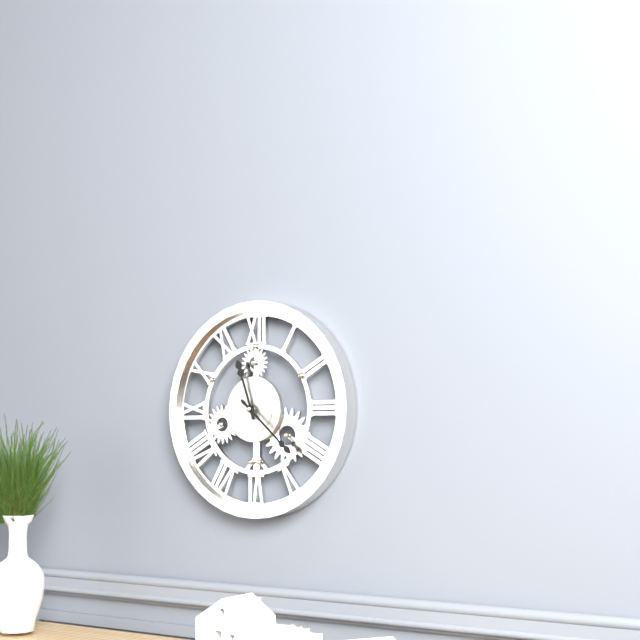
11:22
